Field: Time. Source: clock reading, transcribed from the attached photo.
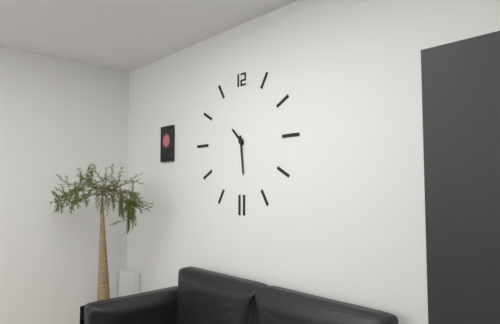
10:29
